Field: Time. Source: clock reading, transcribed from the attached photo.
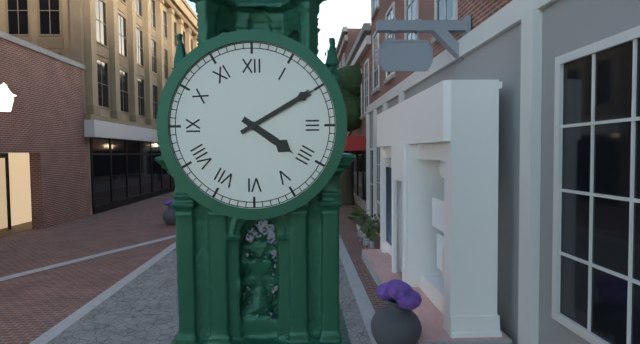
4:10
